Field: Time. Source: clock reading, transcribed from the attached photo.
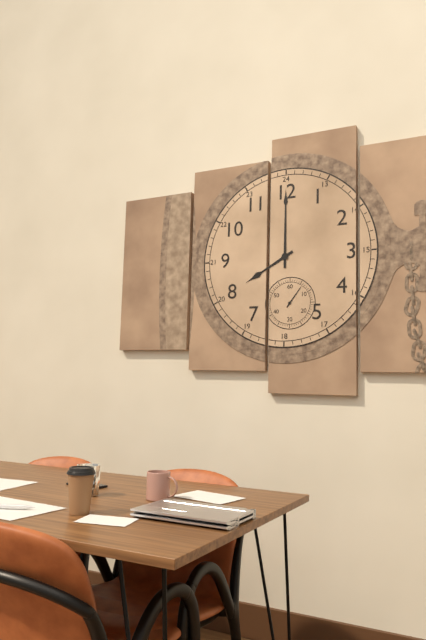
8:00
